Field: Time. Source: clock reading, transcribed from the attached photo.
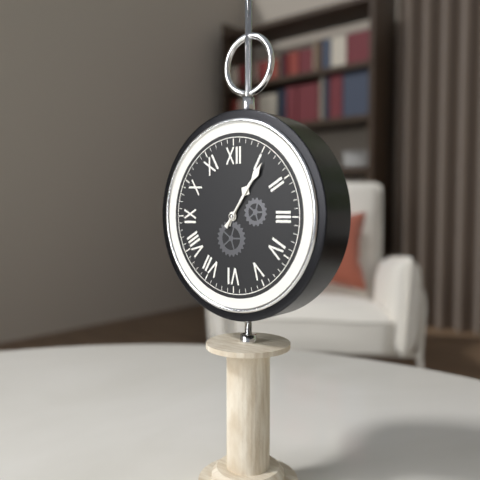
1:06
